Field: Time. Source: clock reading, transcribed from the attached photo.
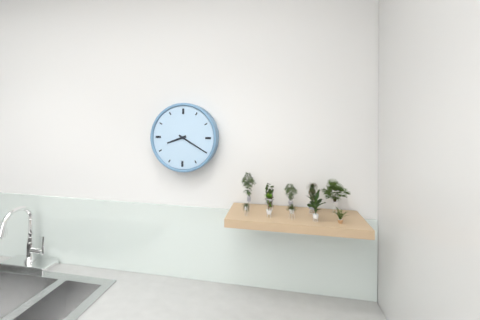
8:20
